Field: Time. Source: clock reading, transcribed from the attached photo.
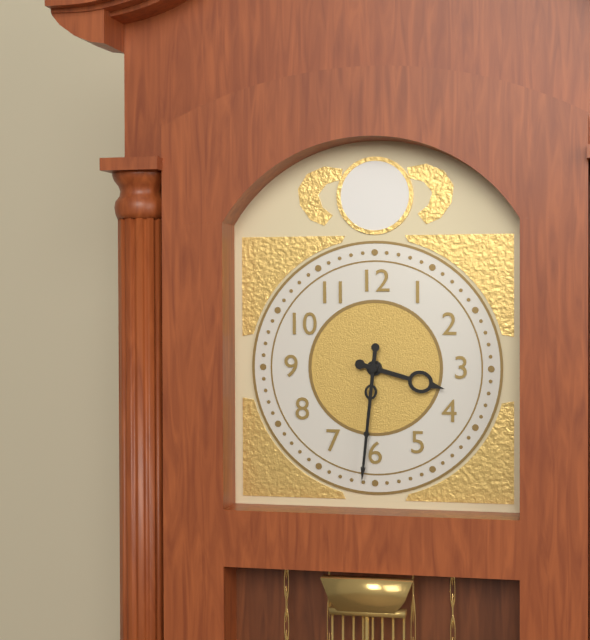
3:31
